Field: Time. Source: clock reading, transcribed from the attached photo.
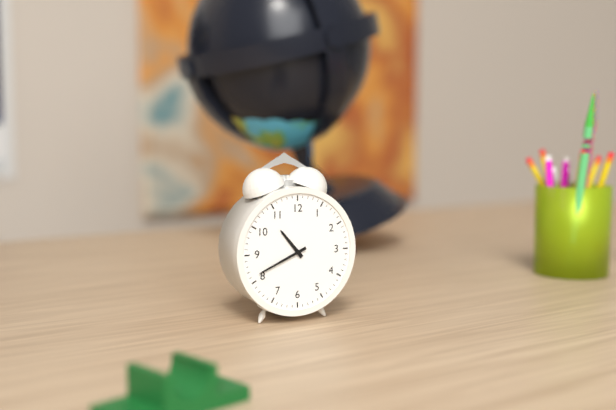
10:41
